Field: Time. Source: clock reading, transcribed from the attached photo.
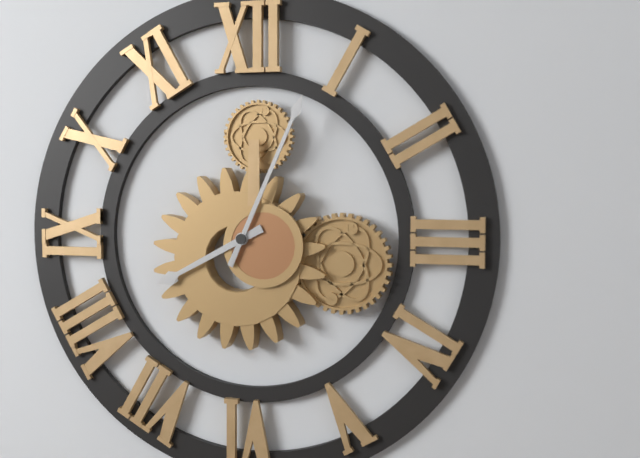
8:04
